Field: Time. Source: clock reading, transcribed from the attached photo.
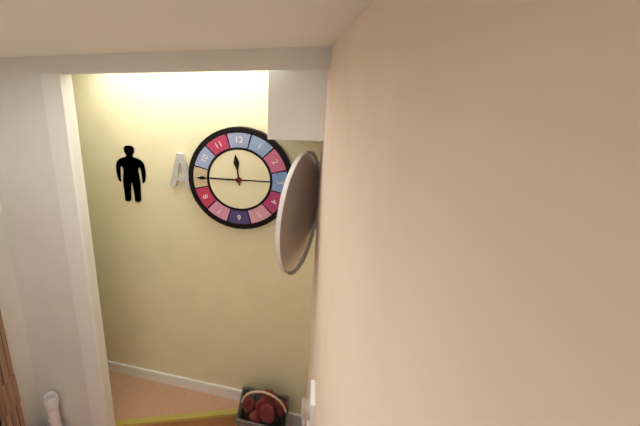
11:45
